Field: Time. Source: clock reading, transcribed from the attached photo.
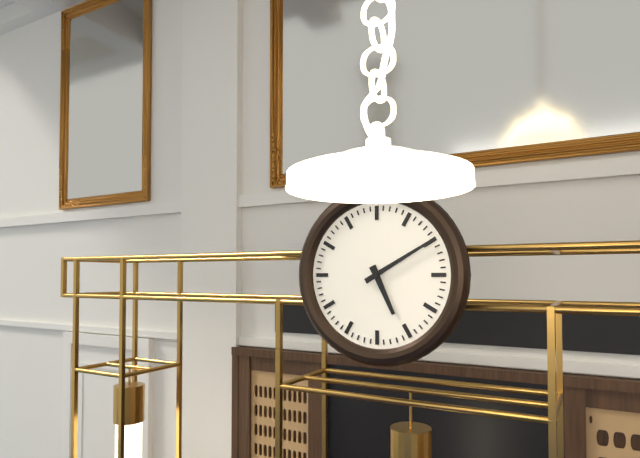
5:10
